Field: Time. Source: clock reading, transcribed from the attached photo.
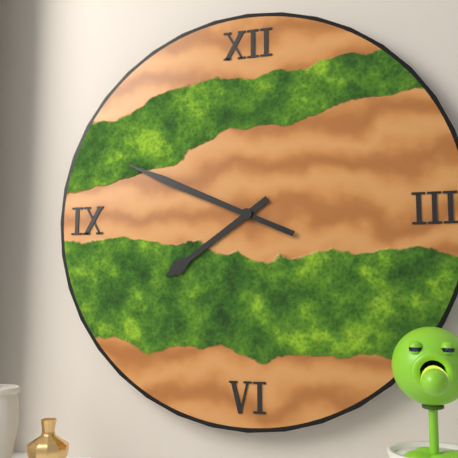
7:49
